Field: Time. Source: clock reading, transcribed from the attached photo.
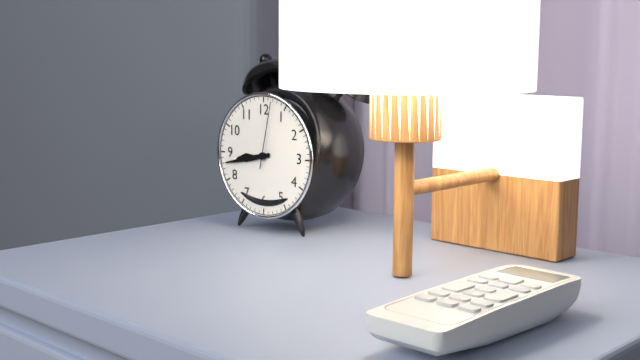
8:43:02
